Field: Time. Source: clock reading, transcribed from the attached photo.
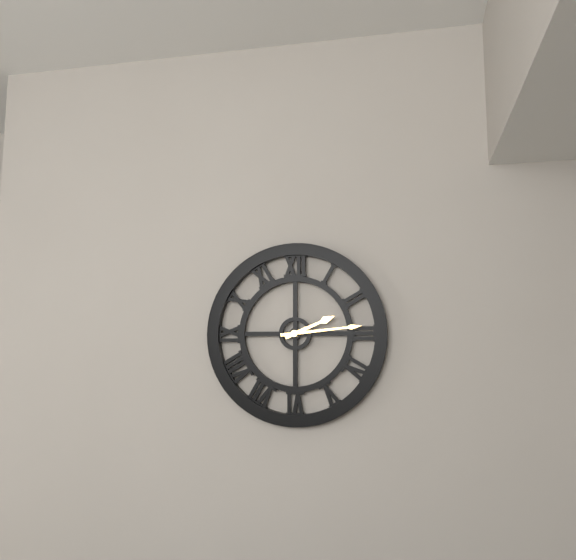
2:14
